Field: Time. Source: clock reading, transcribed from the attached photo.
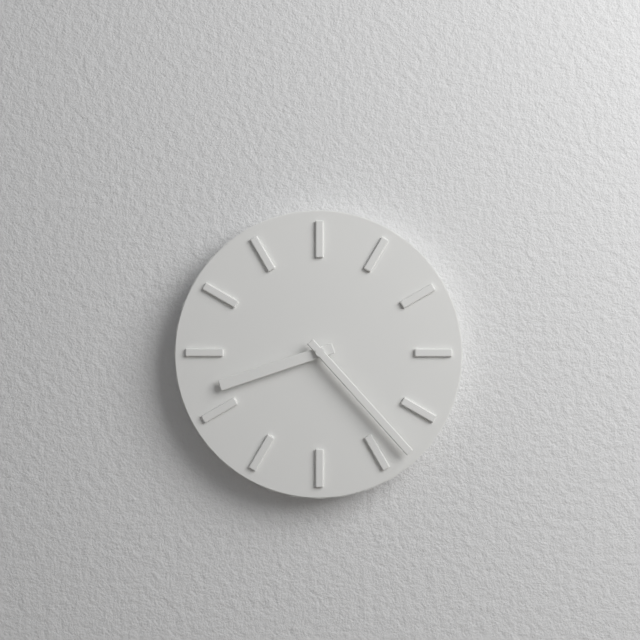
8:23
